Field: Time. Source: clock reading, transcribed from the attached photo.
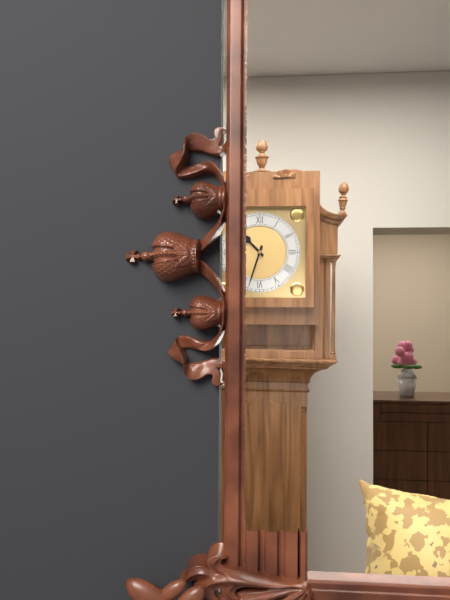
10:33
